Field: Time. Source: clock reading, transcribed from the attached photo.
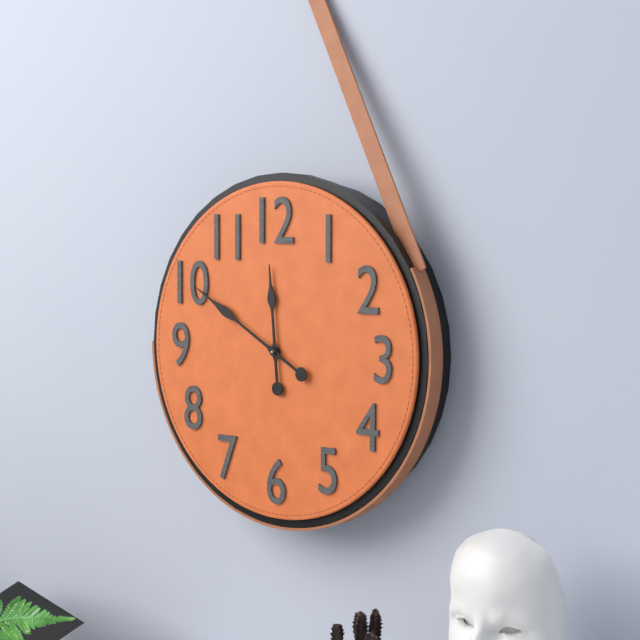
11:50
